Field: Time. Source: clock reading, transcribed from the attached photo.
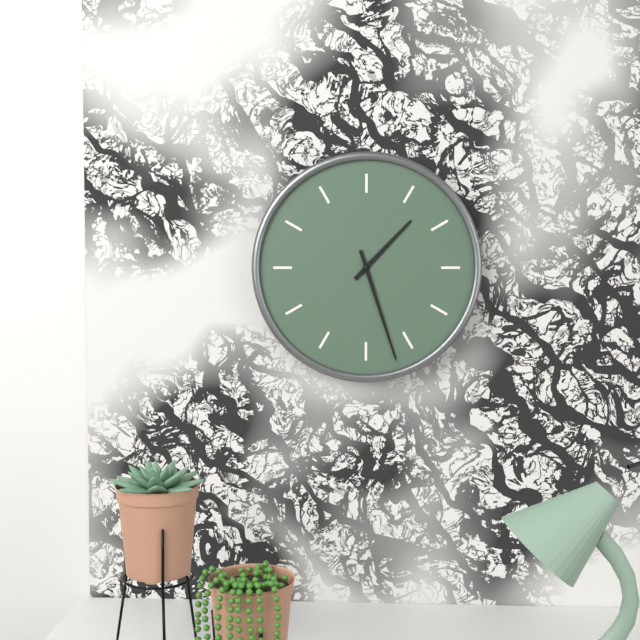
1:27
